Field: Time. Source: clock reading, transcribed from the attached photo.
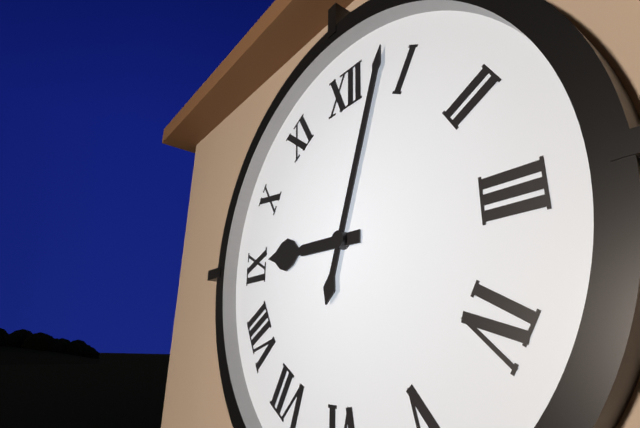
9:03
